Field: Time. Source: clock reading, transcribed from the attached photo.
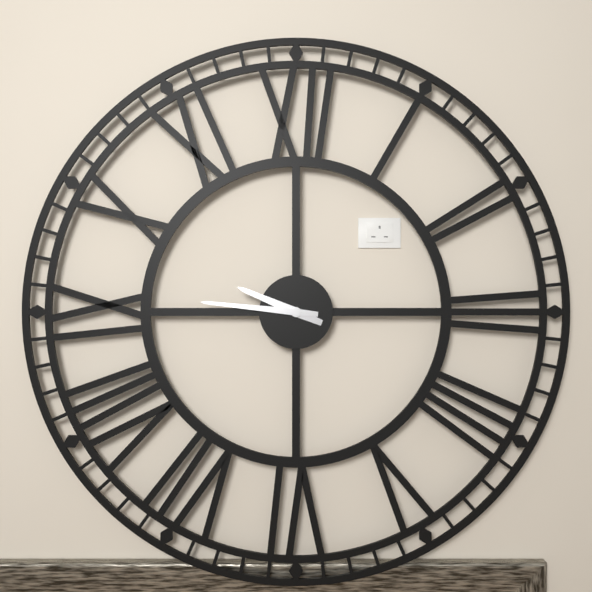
9:46
